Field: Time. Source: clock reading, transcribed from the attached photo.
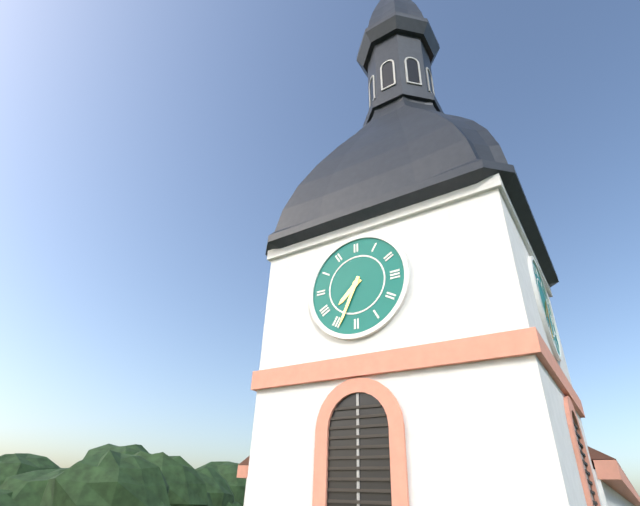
7:34
